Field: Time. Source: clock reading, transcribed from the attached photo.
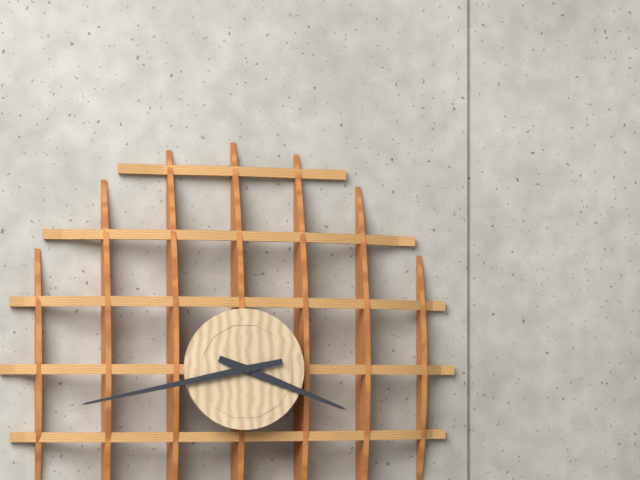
3:43
